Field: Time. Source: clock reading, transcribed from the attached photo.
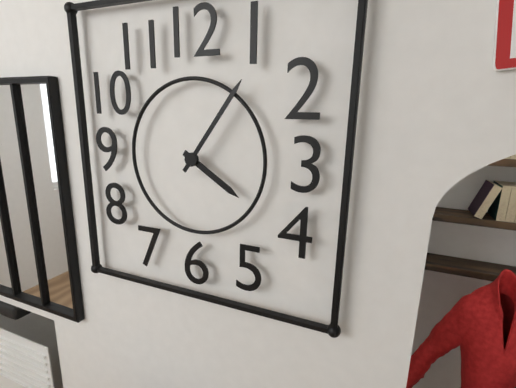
4:06
